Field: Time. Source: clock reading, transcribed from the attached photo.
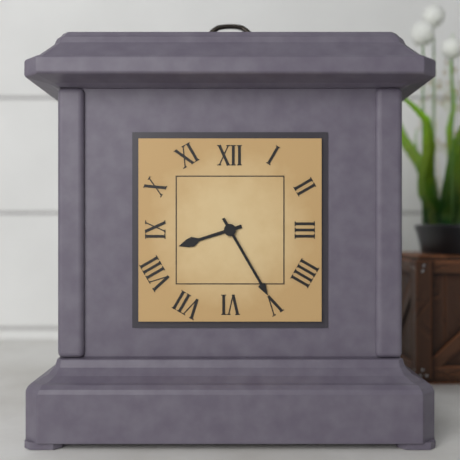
8:25
